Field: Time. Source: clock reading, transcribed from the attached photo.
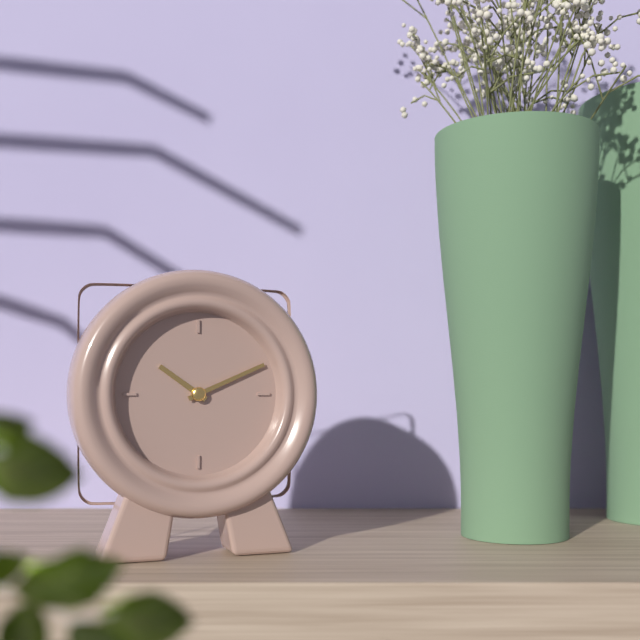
10:11
